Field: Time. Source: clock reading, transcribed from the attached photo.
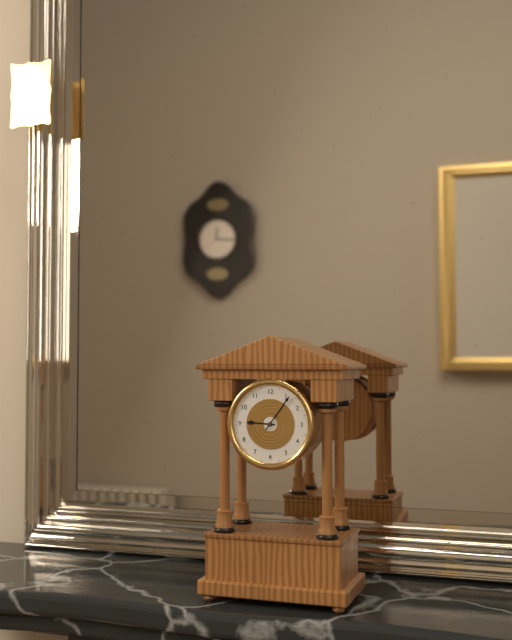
9:06
